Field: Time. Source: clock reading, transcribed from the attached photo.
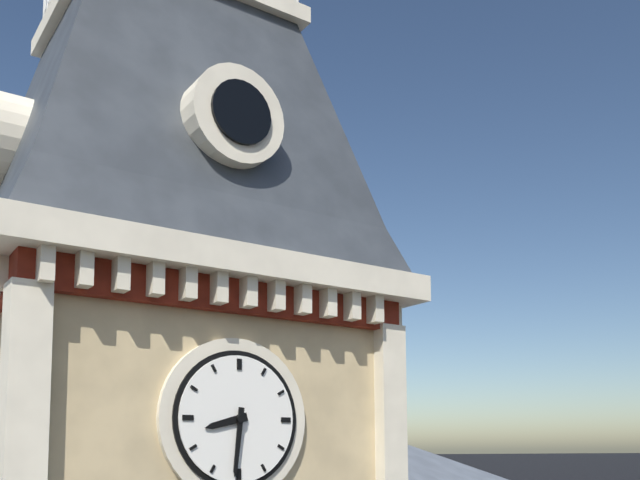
8:31
